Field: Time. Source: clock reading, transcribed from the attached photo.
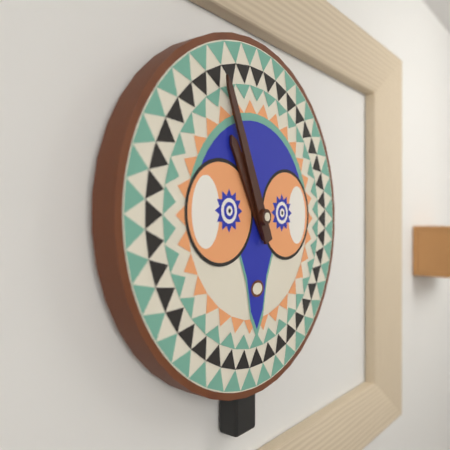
10:56
